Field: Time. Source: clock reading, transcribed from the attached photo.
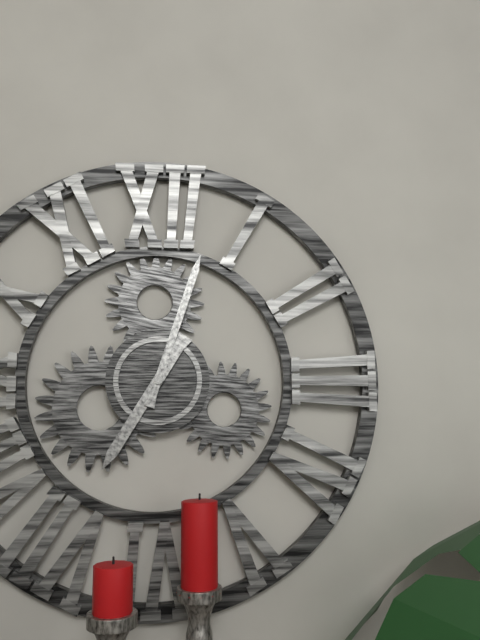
7:03
